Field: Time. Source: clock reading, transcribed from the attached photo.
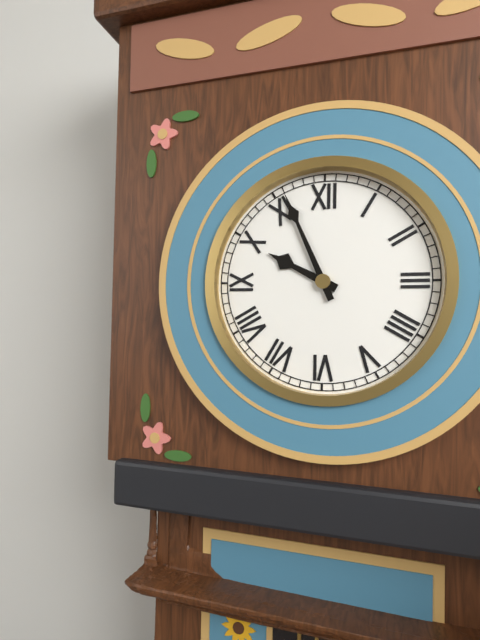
9:56
